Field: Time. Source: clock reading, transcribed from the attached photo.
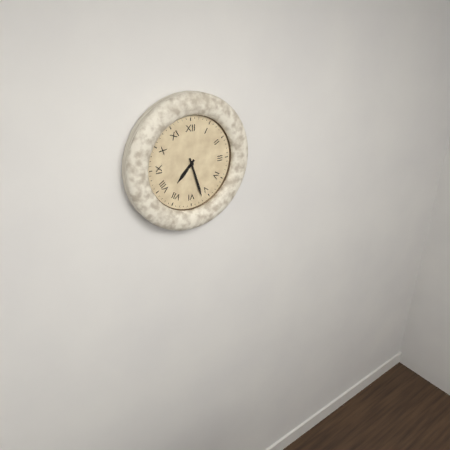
7:27
